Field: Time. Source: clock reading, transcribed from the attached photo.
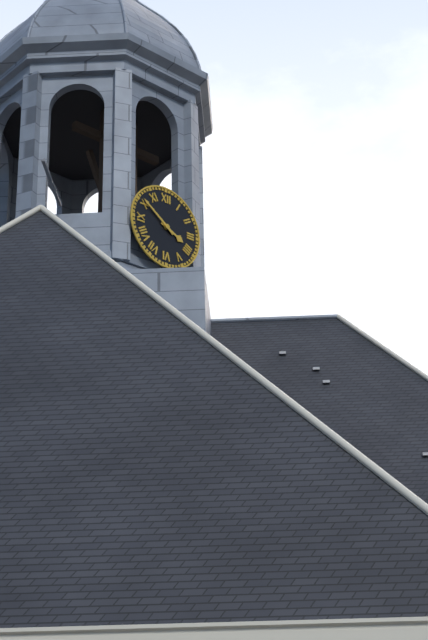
3:51
